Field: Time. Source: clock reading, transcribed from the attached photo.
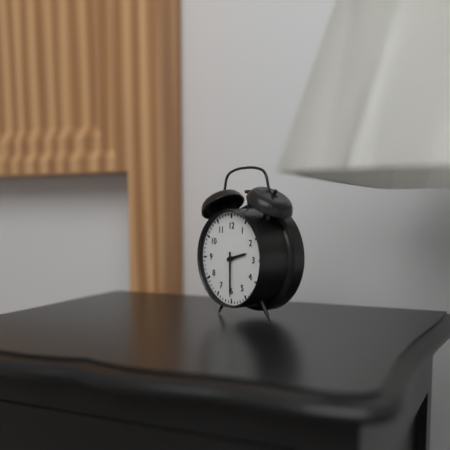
2:30
